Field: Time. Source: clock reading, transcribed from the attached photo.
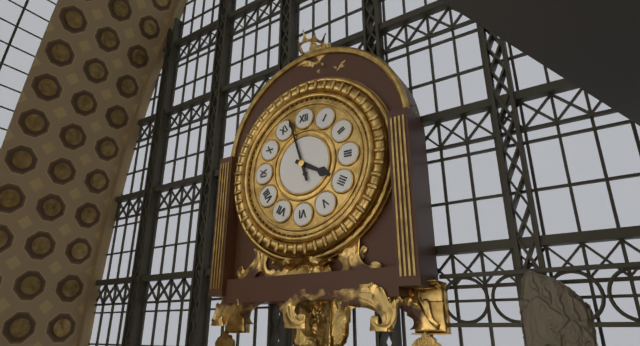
3:57
